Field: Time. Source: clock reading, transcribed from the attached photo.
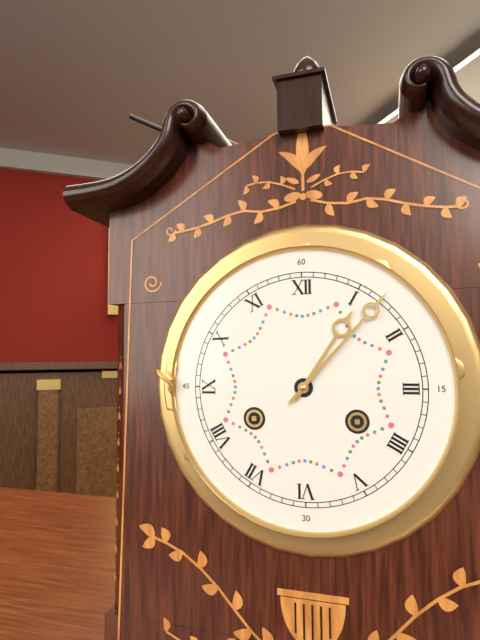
1:07
